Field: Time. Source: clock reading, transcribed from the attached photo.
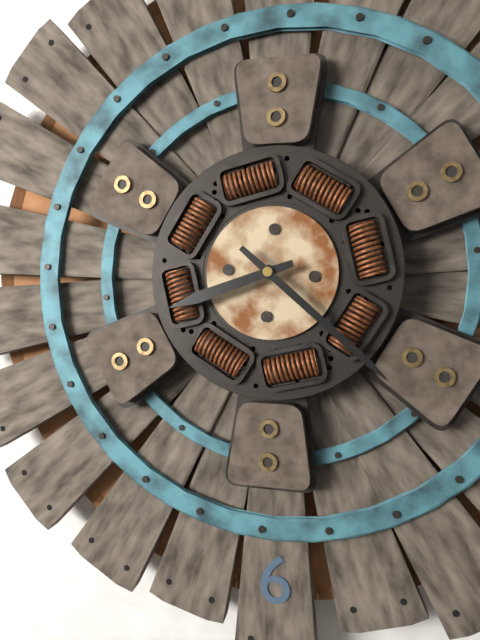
8:22
